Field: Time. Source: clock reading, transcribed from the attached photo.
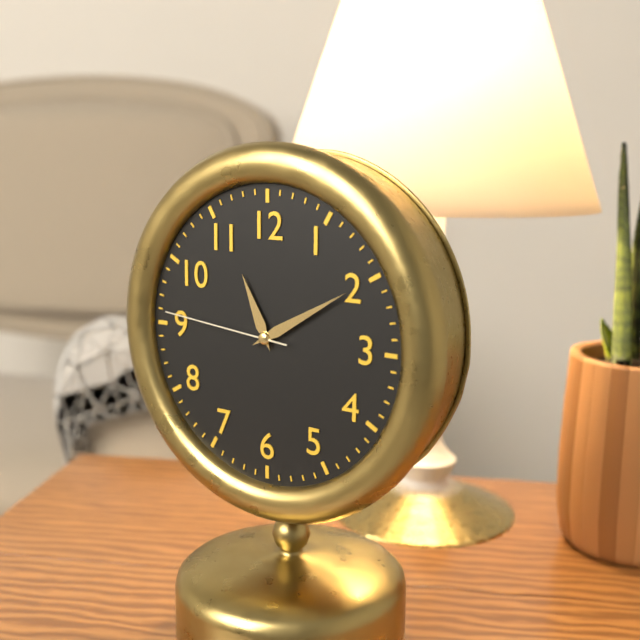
11:10:46
